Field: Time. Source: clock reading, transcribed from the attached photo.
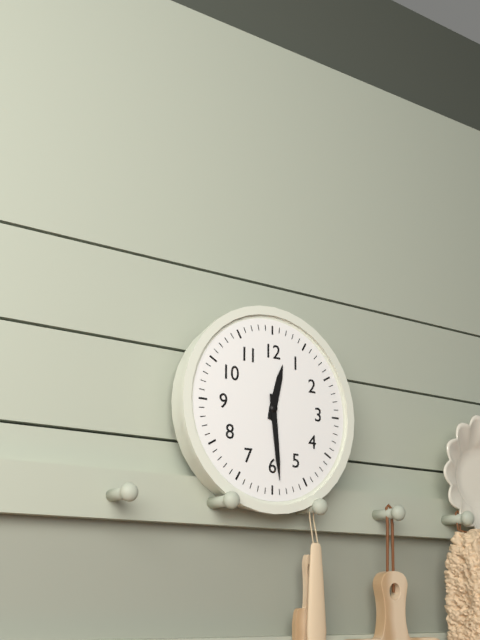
12:29
